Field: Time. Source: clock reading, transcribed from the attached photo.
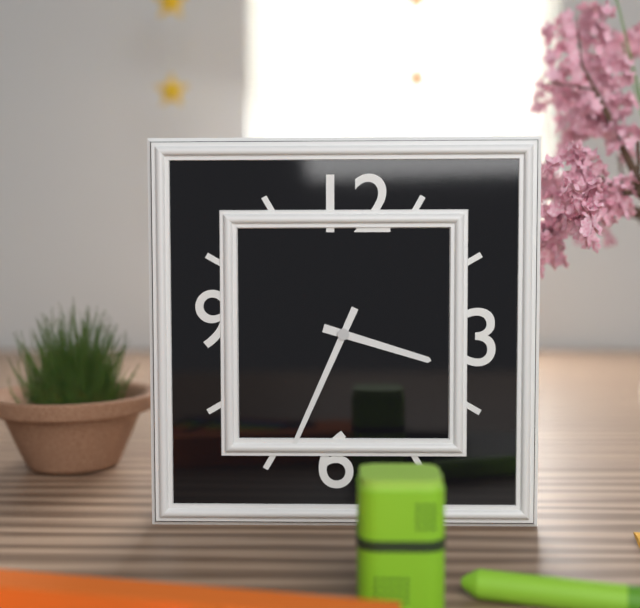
3:34
